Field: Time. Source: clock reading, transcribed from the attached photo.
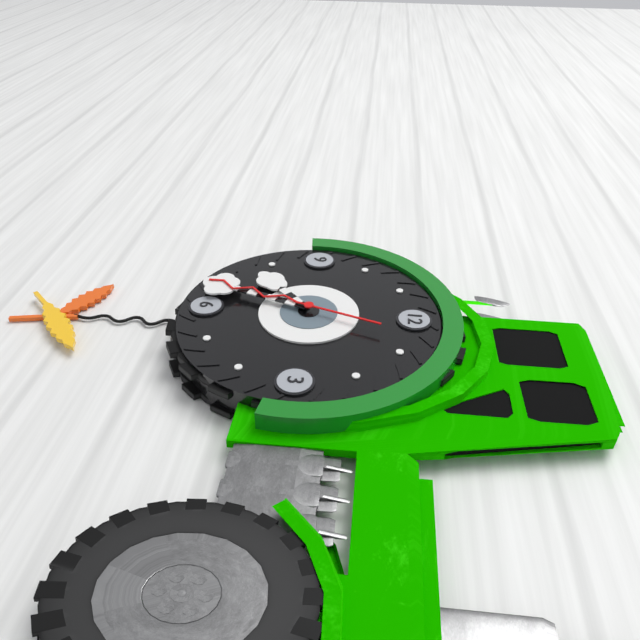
7:33:33
